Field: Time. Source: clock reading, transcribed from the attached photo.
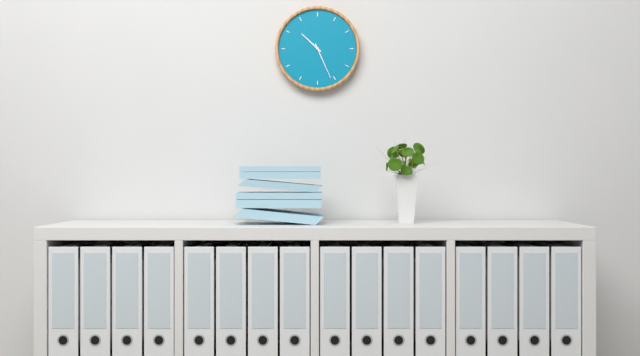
10:26
